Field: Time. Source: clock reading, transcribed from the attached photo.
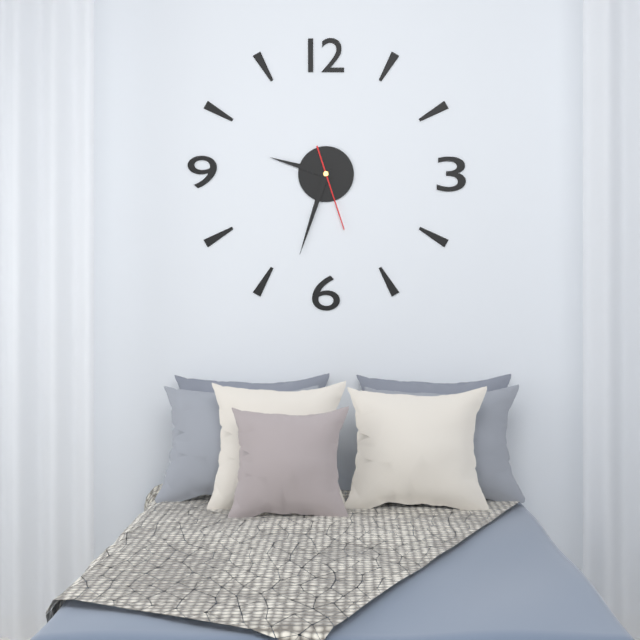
9:33:27
